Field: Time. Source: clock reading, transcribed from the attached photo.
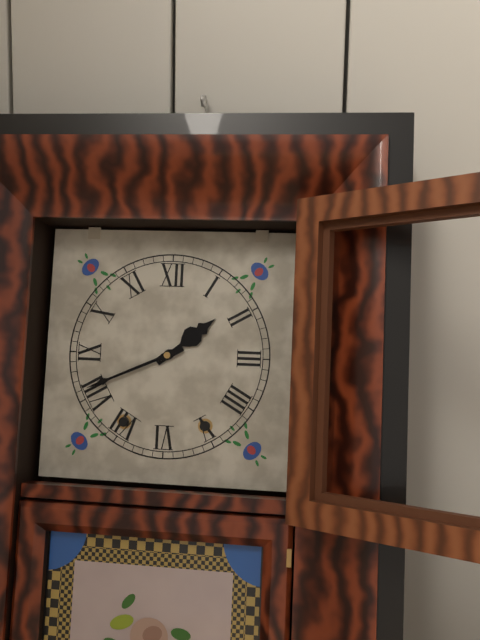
1:41
